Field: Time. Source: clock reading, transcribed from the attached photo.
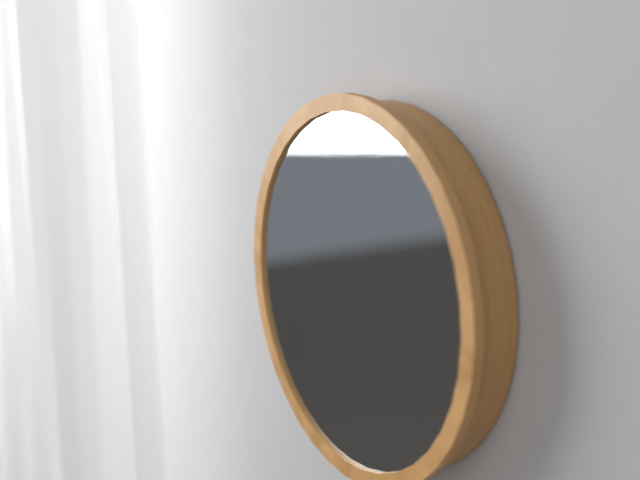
3:04
